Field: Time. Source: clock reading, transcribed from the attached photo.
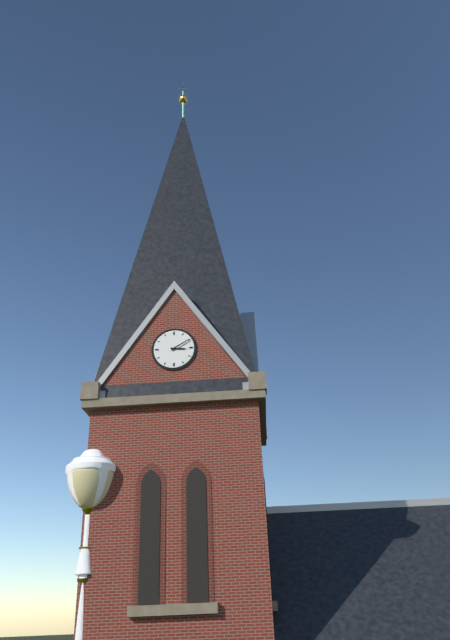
3:10
